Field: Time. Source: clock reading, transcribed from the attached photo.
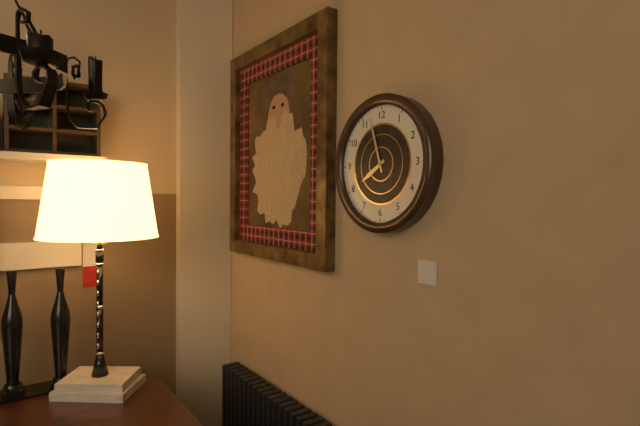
7:57
